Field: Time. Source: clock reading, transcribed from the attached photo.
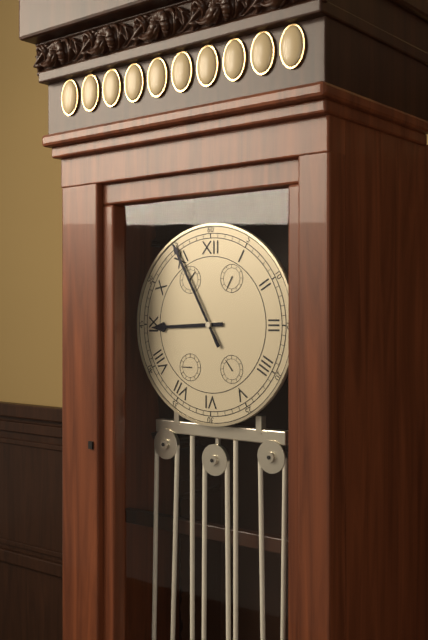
8:55
